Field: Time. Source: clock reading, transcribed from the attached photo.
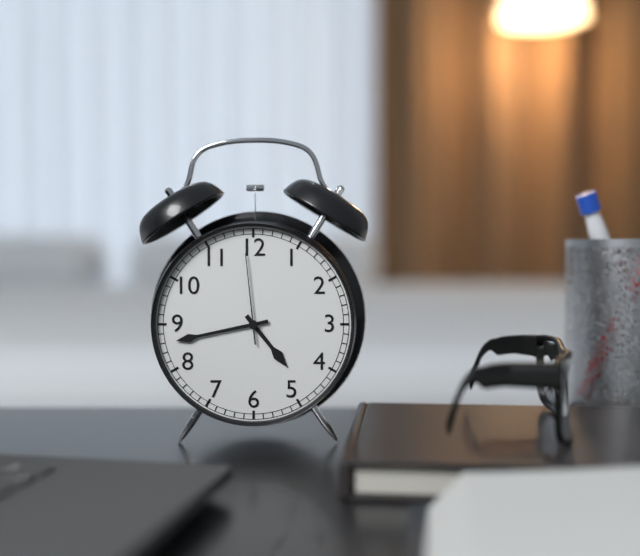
4:43:59
